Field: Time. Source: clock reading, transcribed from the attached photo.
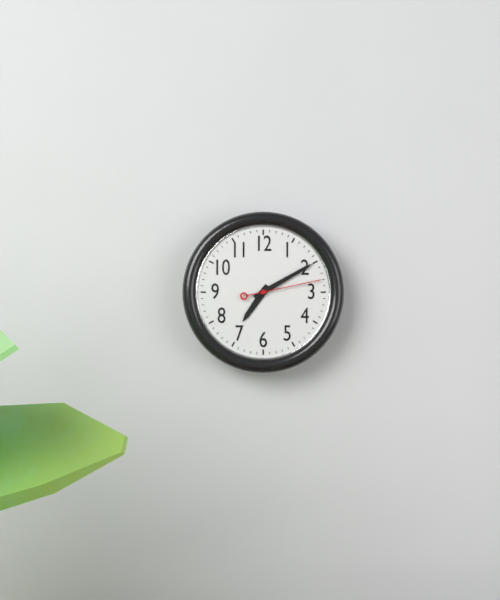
7:10:13
